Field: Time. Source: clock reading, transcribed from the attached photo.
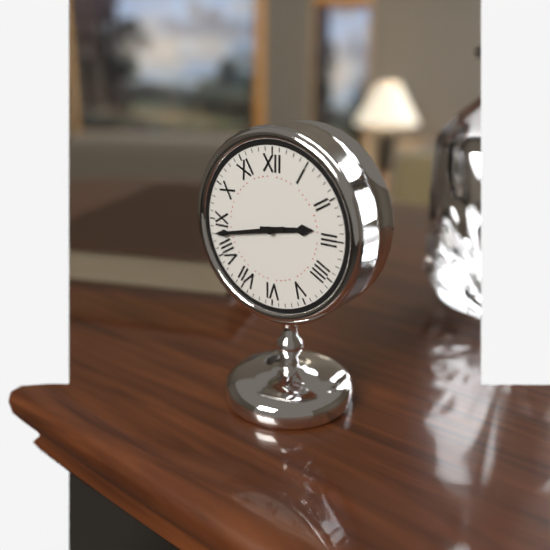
2:43
